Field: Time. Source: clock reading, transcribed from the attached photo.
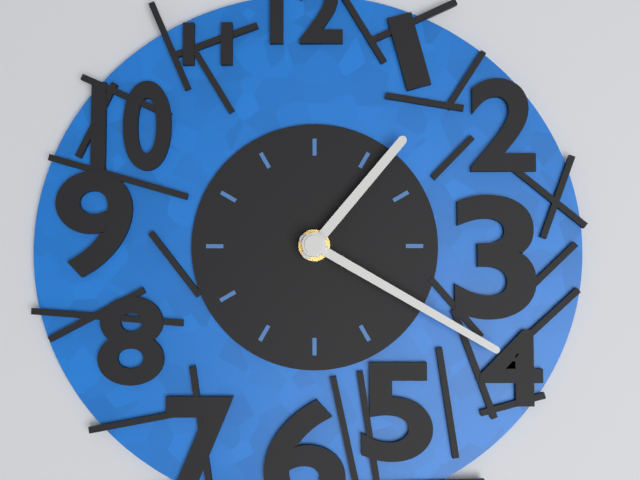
1:20
